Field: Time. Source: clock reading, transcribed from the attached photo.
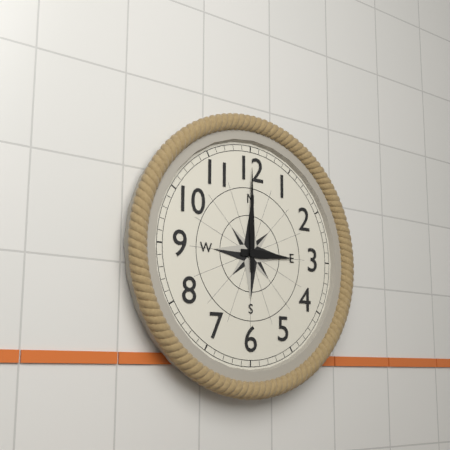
3:00
